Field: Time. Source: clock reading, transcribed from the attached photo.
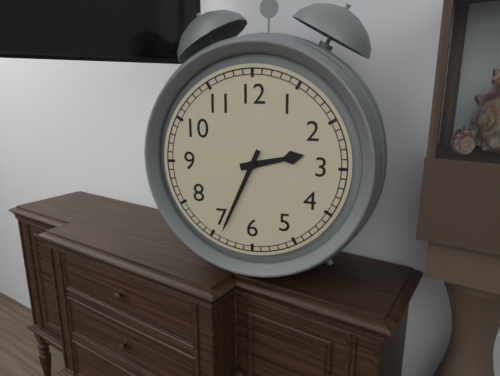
2:34
